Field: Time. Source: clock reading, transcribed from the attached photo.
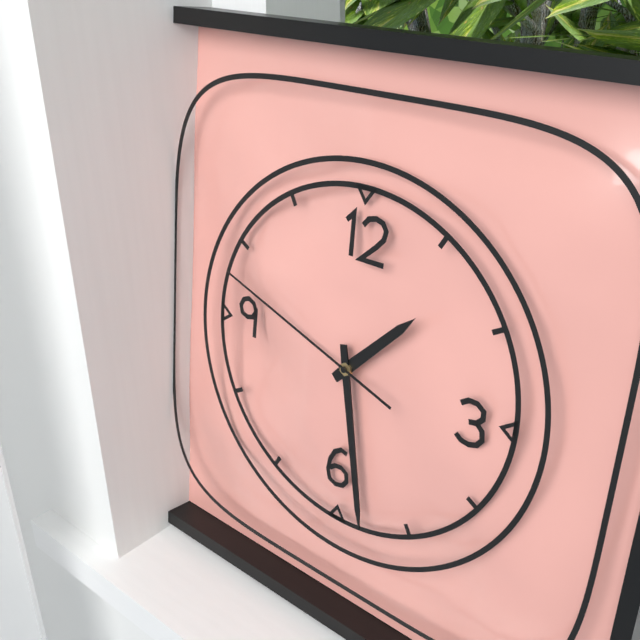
1:28:48
